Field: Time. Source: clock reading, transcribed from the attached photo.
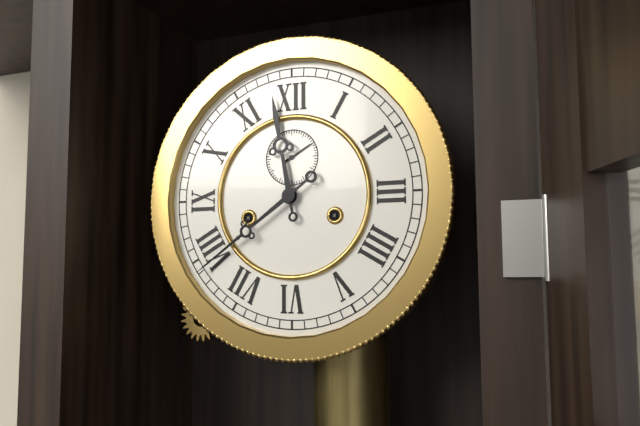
11:39
